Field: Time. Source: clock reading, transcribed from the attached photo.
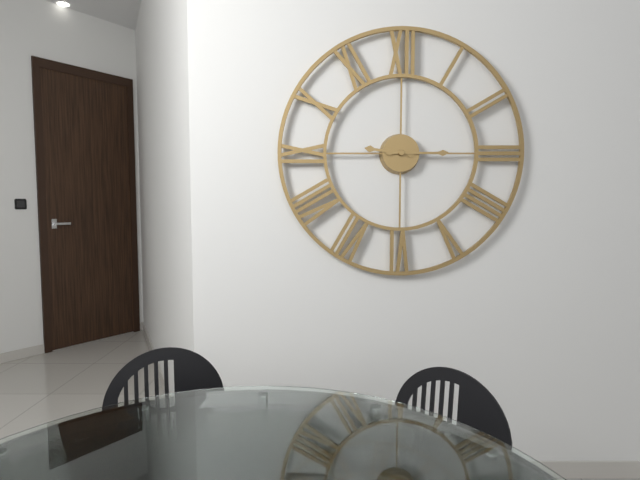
9:15
